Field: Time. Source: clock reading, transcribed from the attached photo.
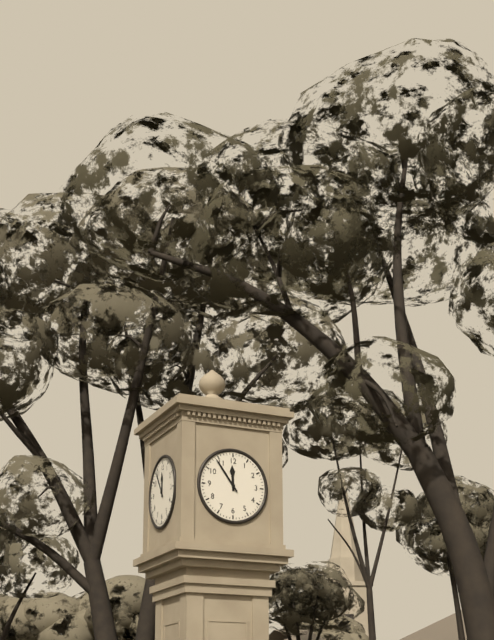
11:54
